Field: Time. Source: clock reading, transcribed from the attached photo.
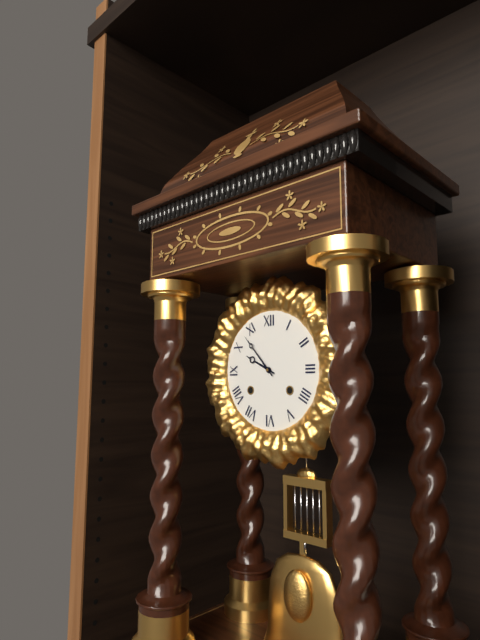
9:53
